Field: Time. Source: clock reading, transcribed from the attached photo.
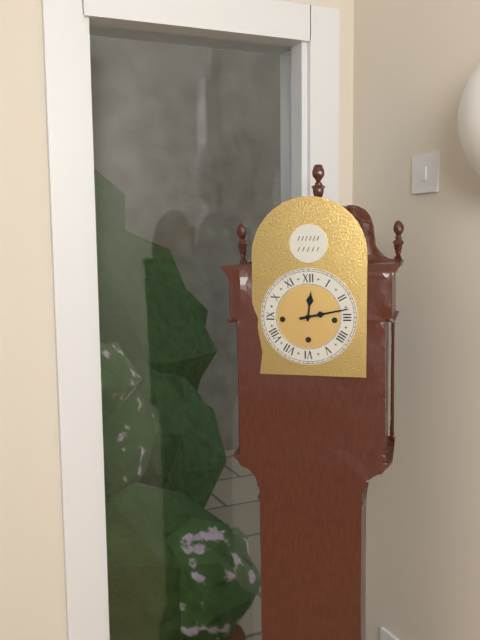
12:13
